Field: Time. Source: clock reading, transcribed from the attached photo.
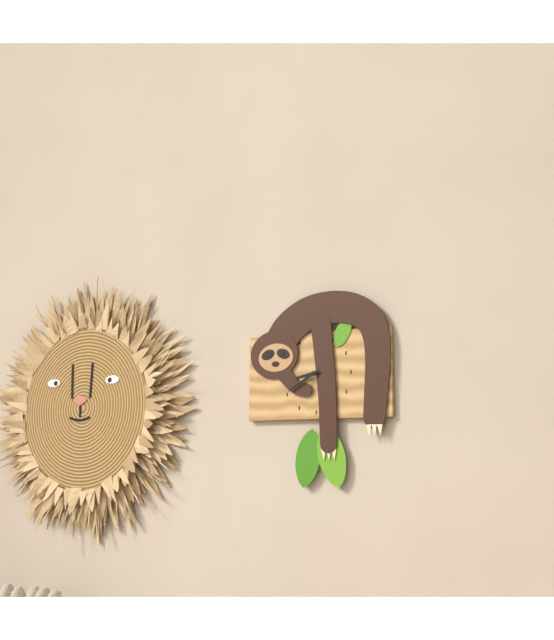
8:40
